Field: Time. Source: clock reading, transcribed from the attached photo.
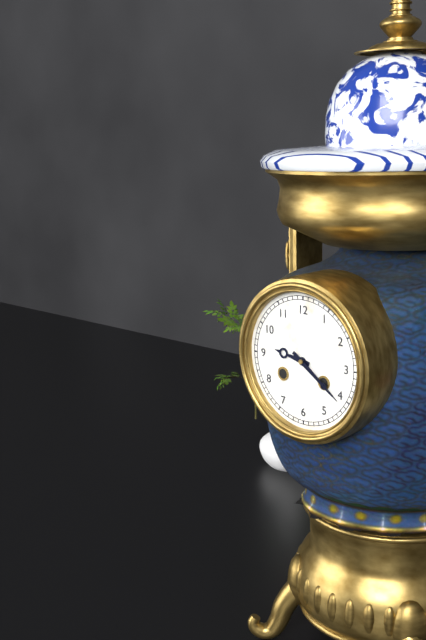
9:21
